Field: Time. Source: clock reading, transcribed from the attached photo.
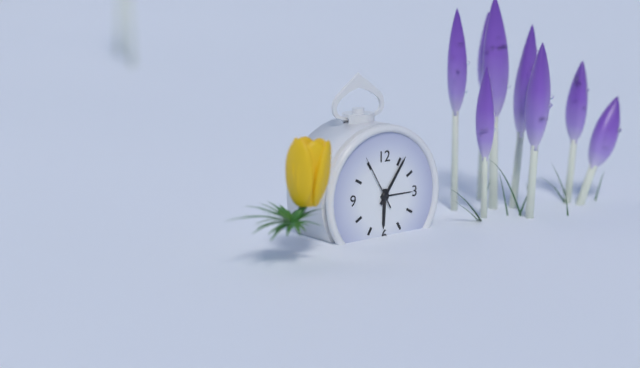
6:06:55
